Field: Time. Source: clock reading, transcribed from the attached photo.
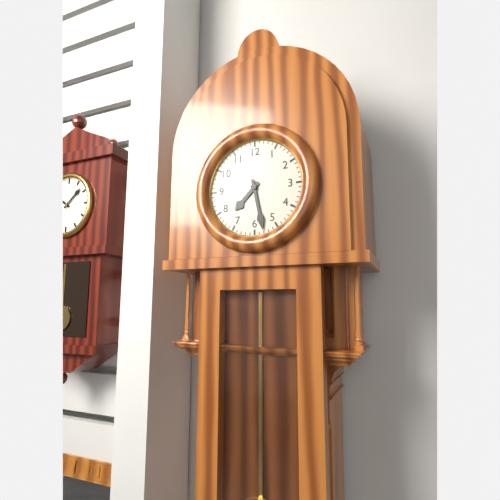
7:28
